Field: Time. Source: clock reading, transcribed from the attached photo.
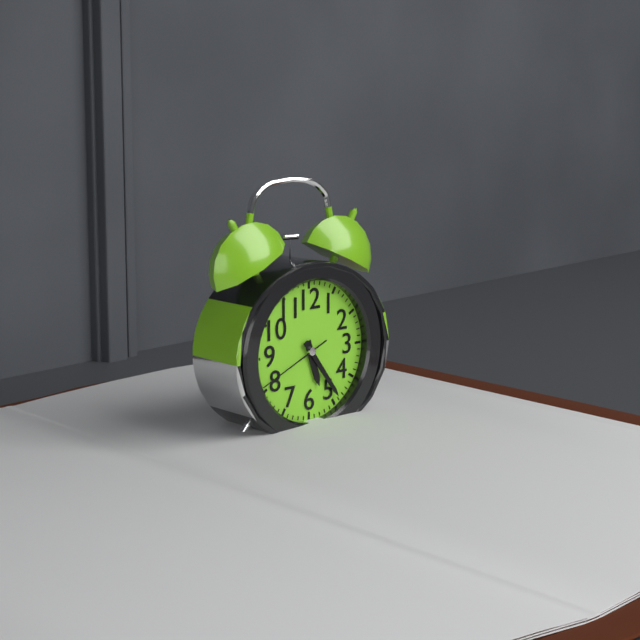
5:24:41
